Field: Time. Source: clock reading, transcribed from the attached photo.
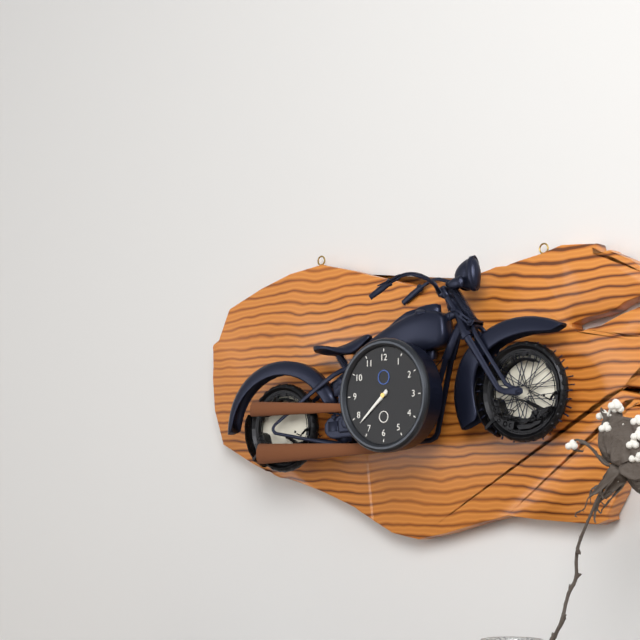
7:38
